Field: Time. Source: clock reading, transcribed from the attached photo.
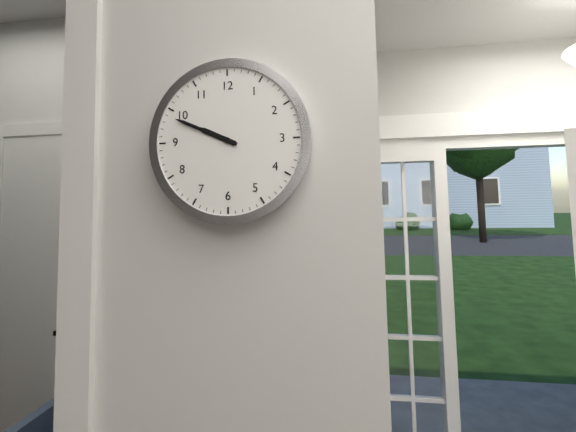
9:49
